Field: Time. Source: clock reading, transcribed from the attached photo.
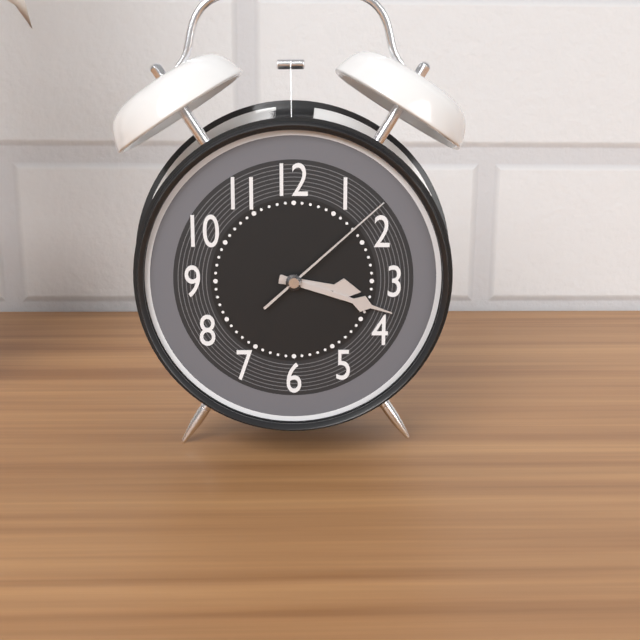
3:18:08
